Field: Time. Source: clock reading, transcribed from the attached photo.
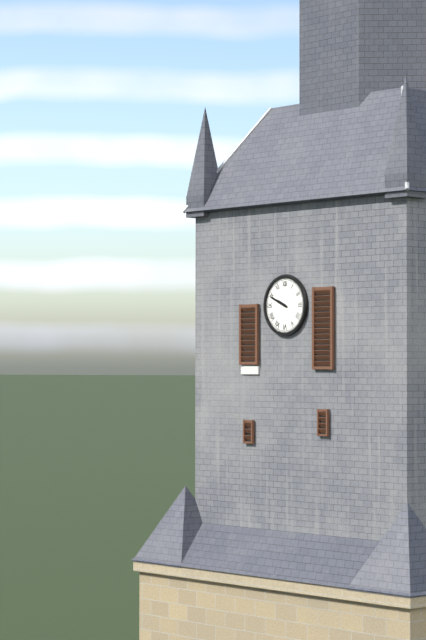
9:49
